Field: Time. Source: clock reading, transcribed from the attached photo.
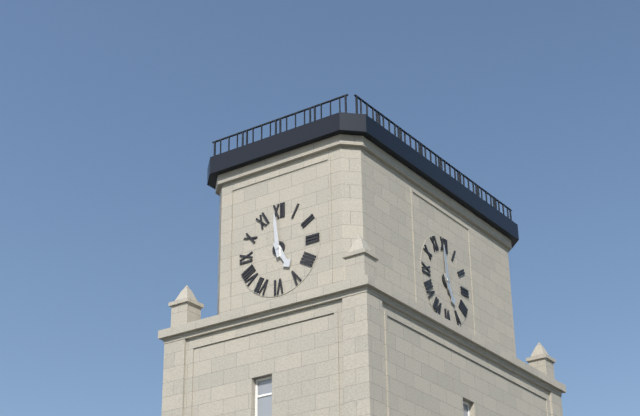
4:59
